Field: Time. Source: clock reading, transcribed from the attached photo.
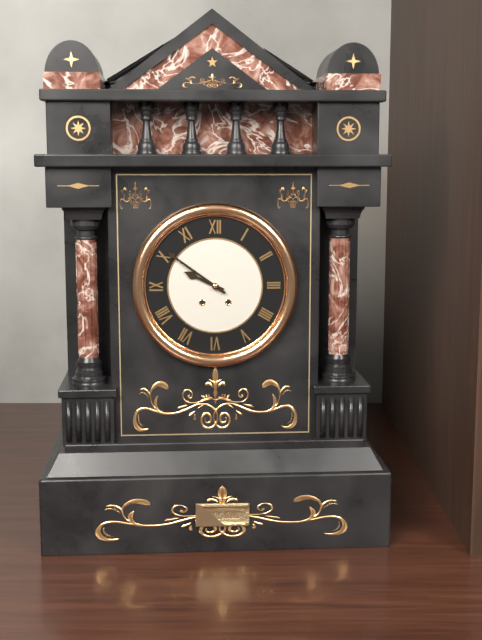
9:51
